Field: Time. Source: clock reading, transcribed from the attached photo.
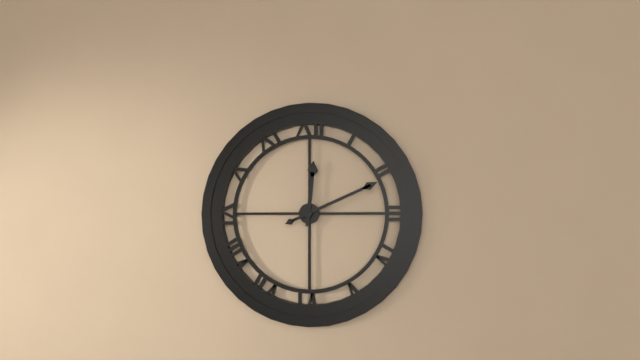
12:11
